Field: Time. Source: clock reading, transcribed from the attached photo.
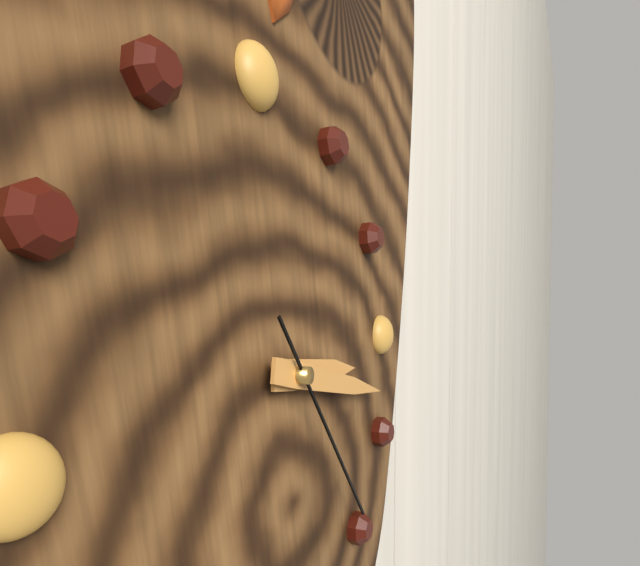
3:18:25
